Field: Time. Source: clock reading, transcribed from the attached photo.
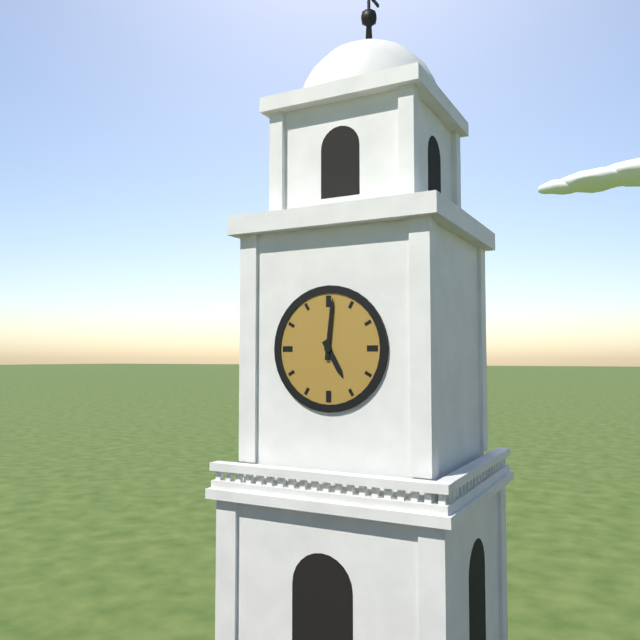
5:01
